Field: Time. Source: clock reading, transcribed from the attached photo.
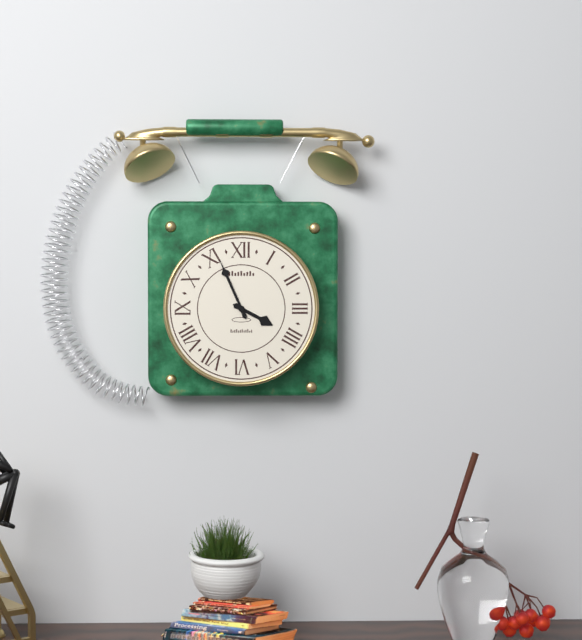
3:56
